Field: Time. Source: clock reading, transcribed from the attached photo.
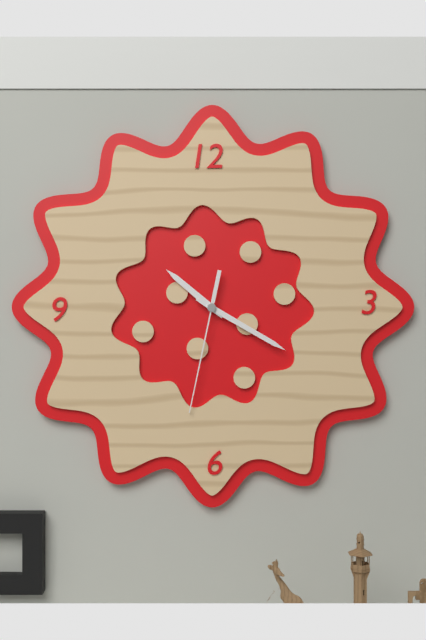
10:20:32
